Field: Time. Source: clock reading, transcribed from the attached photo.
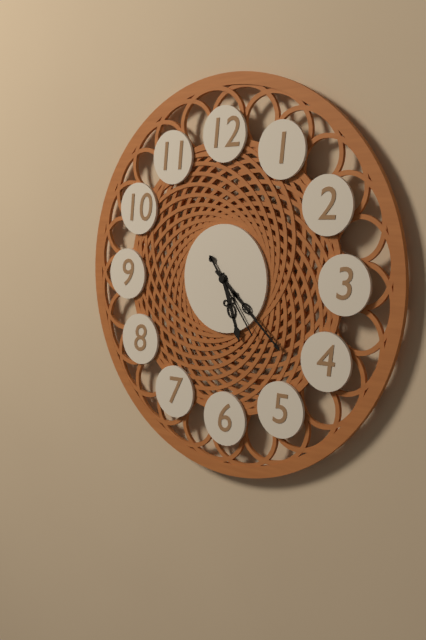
5:22:24
